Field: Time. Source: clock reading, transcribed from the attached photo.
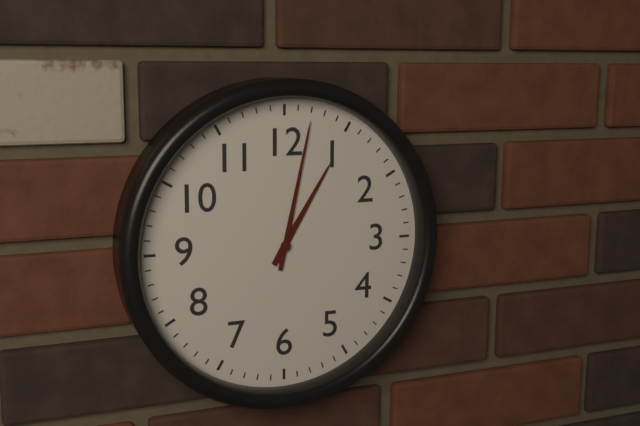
1:02
